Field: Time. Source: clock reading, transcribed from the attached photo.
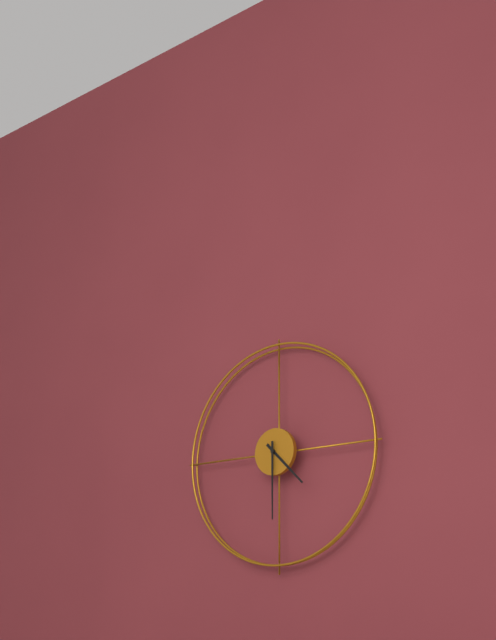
4:30
